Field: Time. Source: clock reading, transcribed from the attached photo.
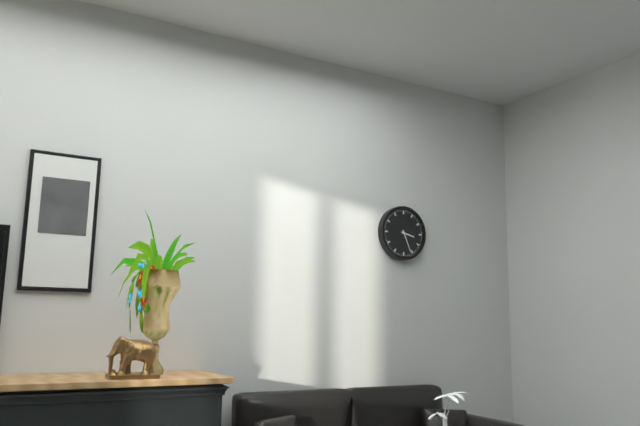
3:26
